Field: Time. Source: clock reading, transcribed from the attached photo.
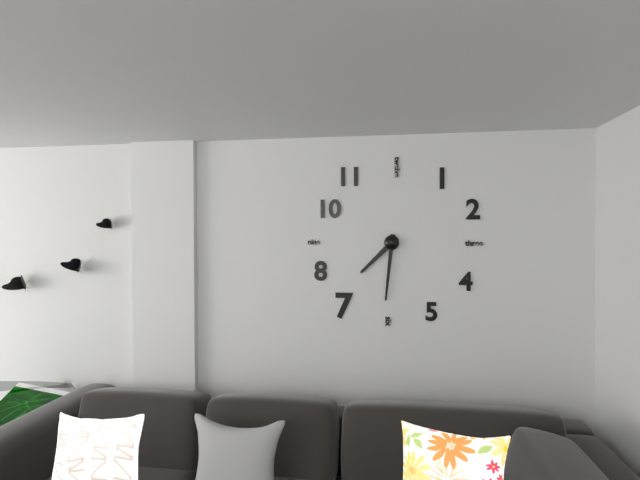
7:31
